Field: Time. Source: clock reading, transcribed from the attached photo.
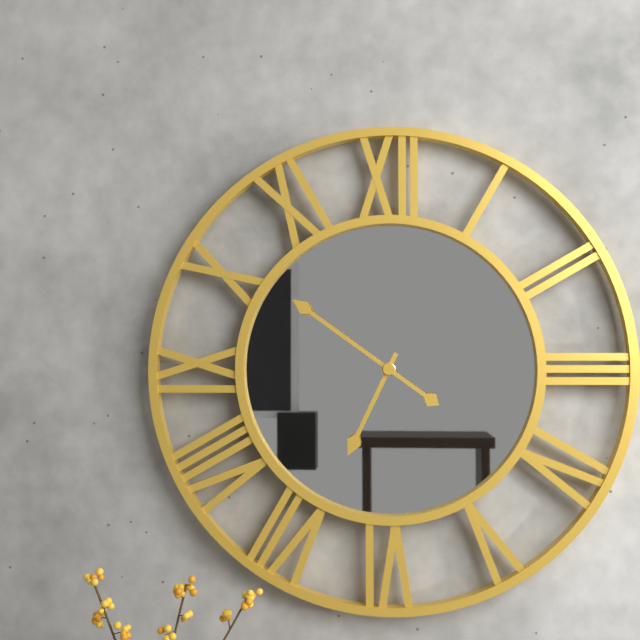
6:51
